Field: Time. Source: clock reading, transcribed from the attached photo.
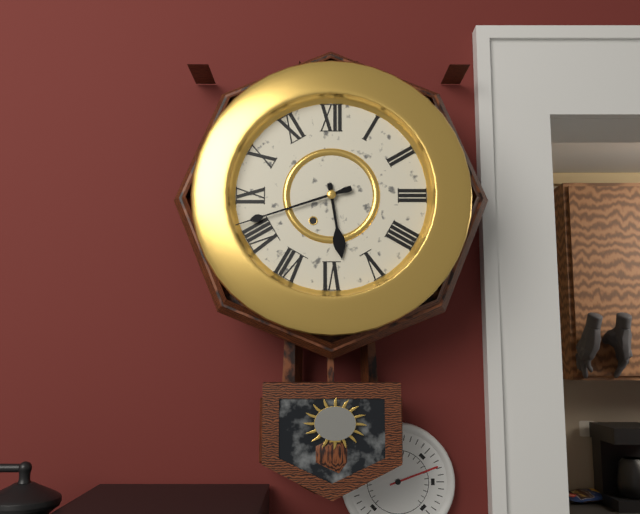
5:42
